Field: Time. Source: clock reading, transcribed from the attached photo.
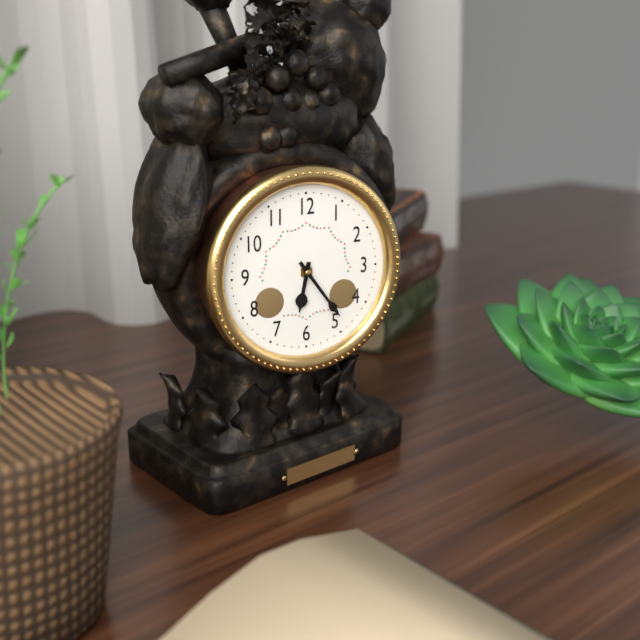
6:24
